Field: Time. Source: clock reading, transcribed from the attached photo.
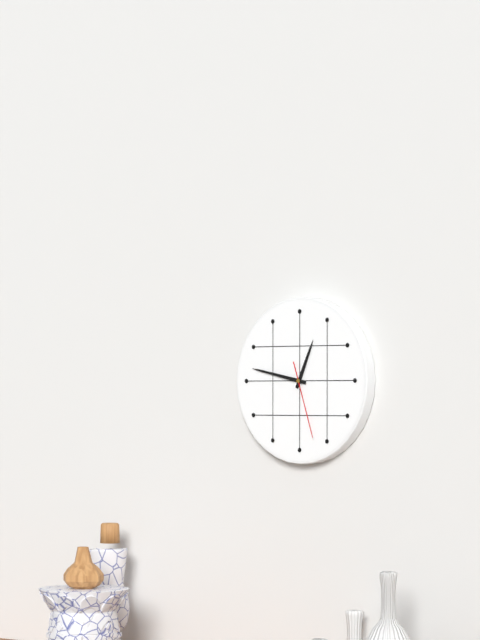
12:47:27
